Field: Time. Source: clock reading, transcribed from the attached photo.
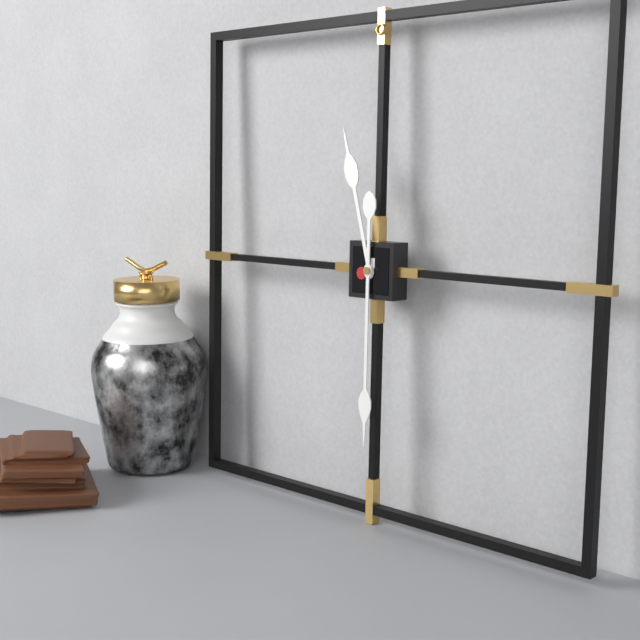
11:30
